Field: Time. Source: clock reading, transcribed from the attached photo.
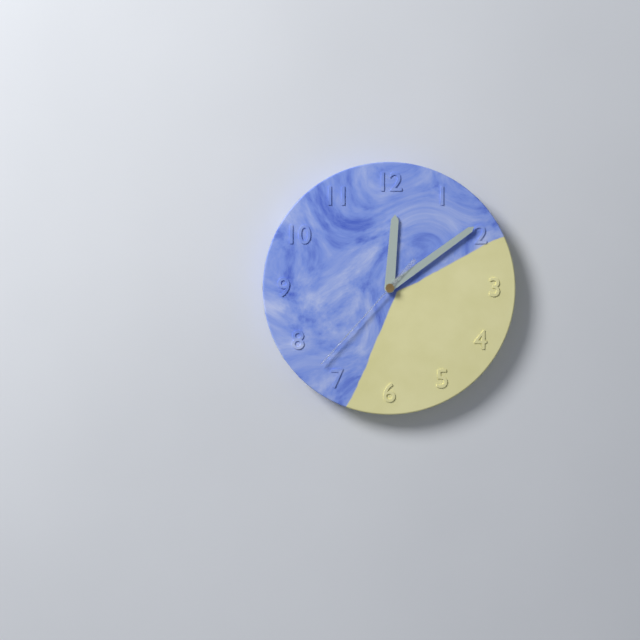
12:09:37
